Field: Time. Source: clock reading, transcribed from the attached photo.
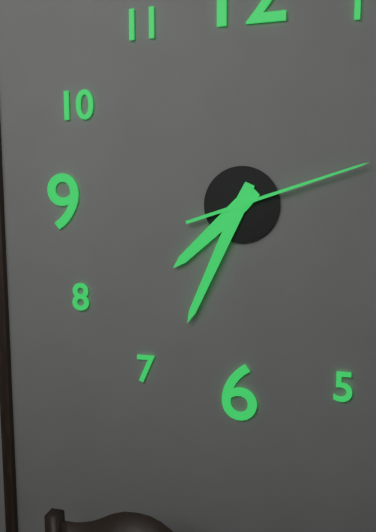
7:34:12
